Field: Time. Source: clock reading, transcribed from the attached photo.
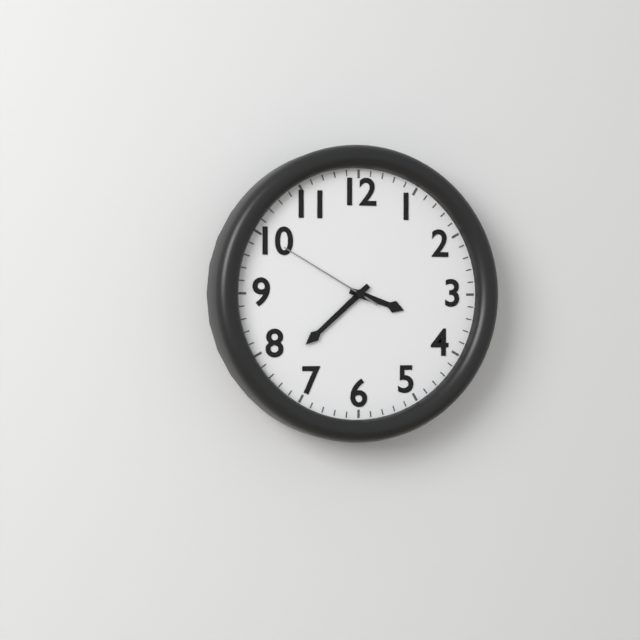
3:38:50
